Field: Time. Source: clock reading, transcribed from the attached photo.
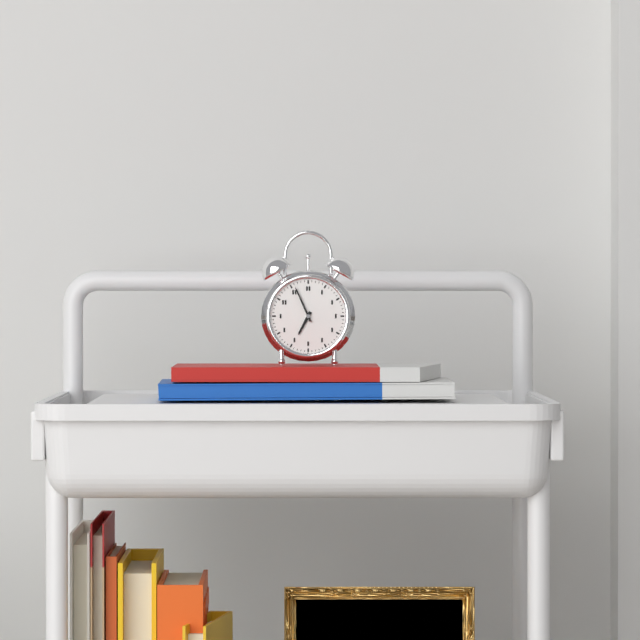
6:56
